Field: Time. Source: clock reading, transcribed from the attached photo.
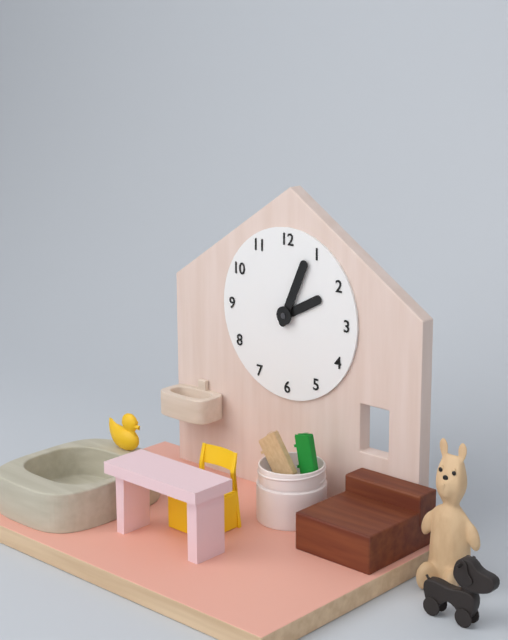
2:04
